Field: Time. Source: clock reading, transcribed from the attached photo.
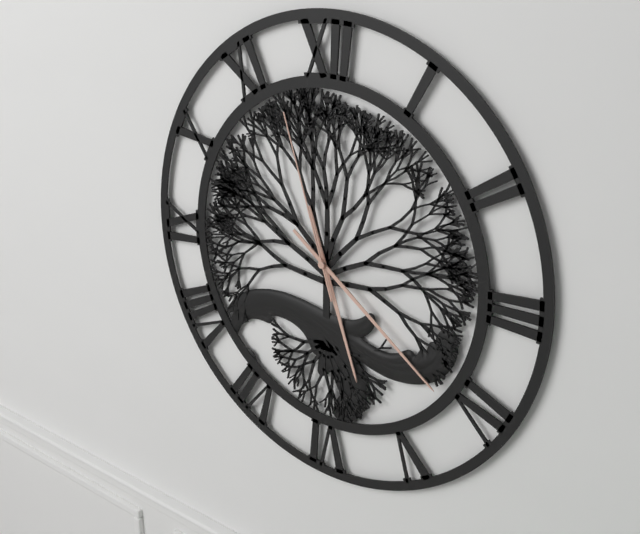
5:21:57
